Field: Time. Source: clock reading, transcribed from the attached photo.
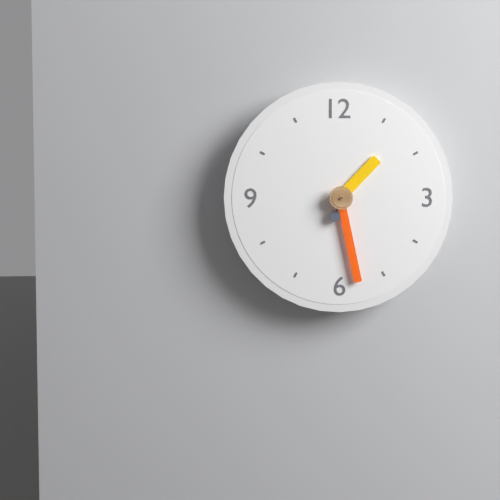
1:28
